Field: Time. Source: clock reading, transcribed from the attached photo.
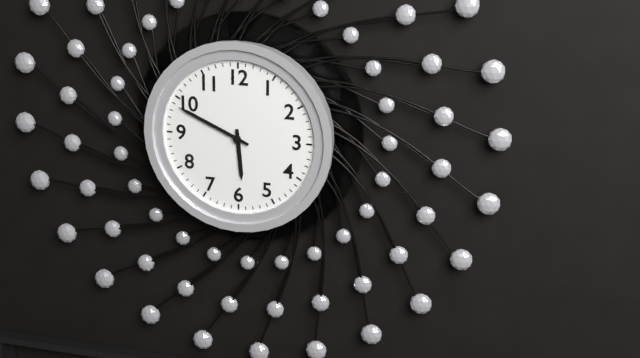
5:49
